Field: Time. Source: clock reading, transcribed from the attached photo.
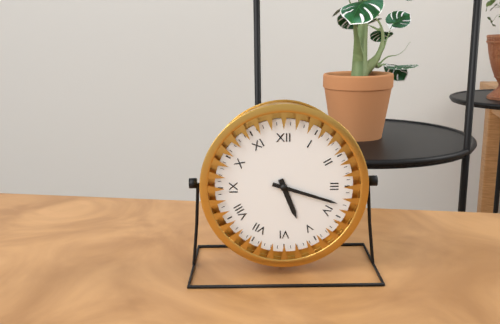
5:18
